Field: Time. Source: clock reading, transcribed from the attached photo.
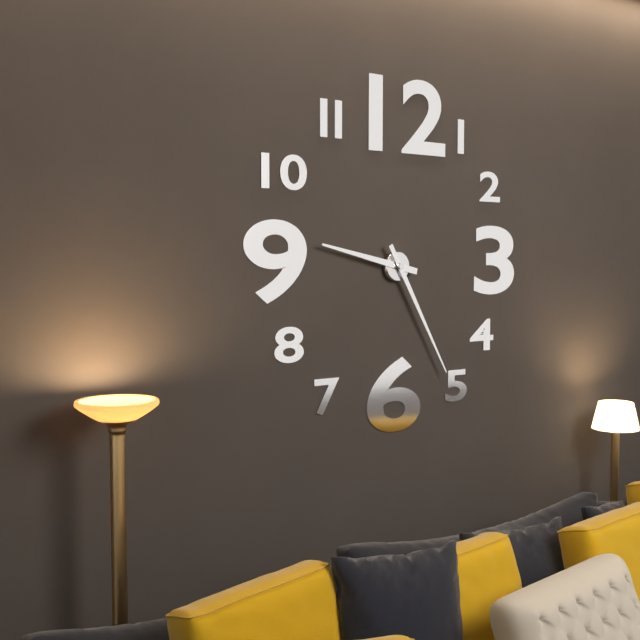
9:25
